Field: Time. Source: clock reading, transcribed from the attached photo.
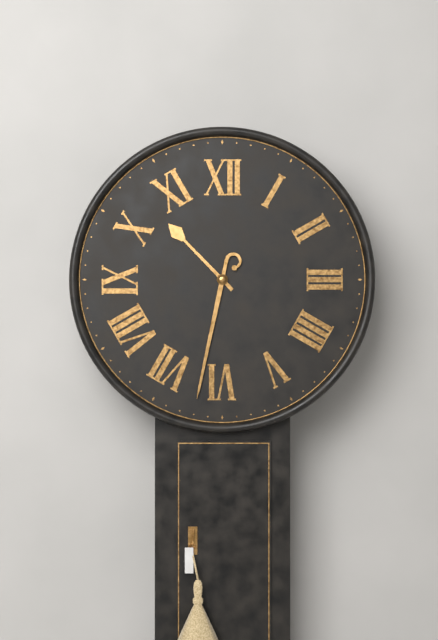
10:32
